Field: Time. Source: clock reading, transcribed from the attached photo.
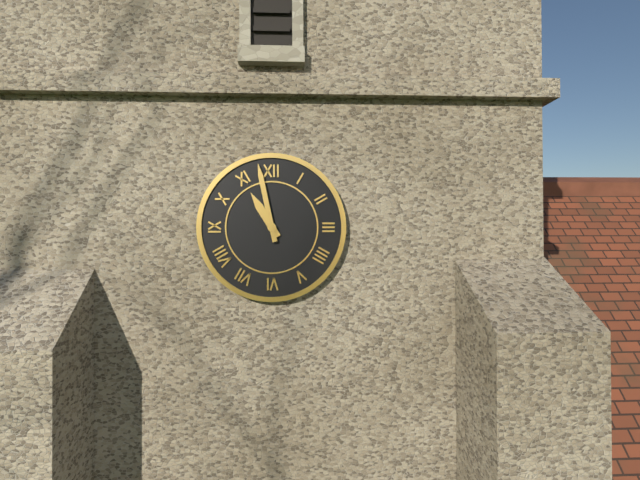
10:58
